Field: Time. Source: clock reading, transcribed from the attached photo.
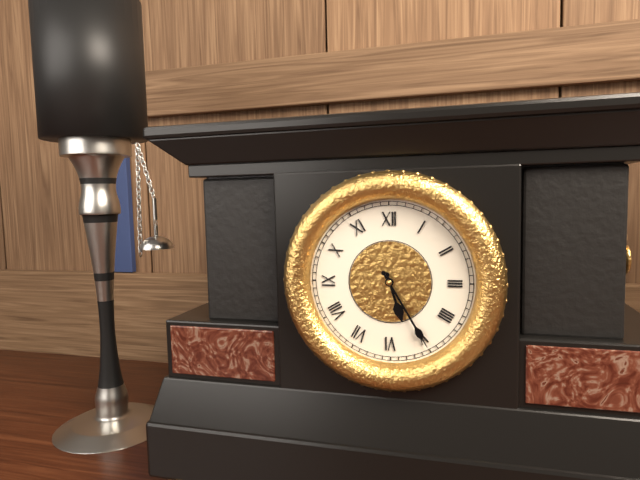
5:25
